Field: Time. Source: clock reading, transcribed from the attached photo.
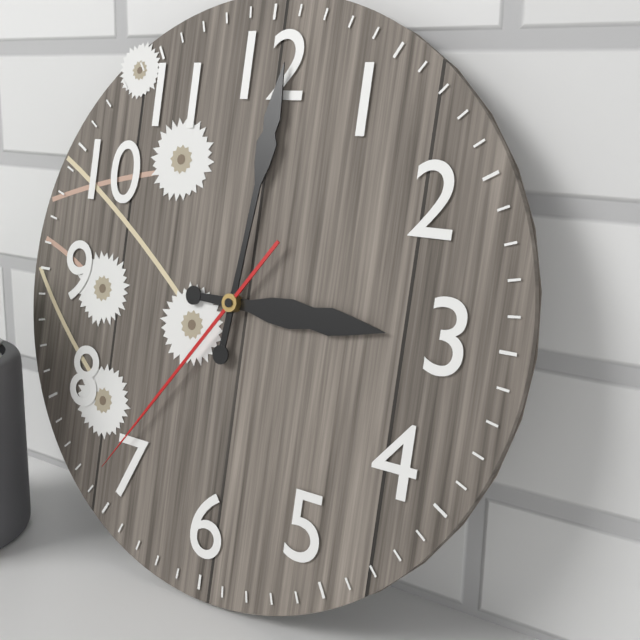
3:01:36
